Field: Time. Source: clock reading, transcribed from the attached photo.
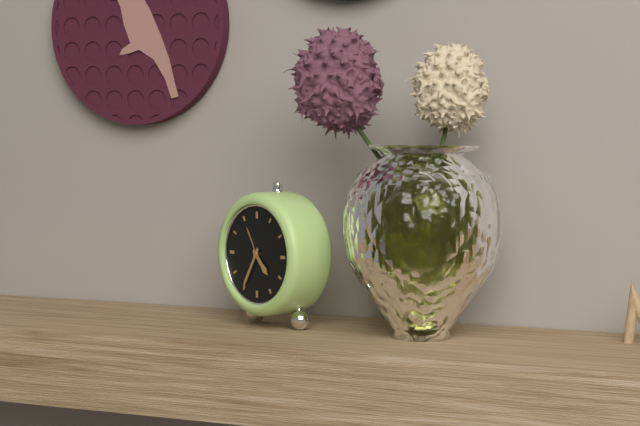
4:35
